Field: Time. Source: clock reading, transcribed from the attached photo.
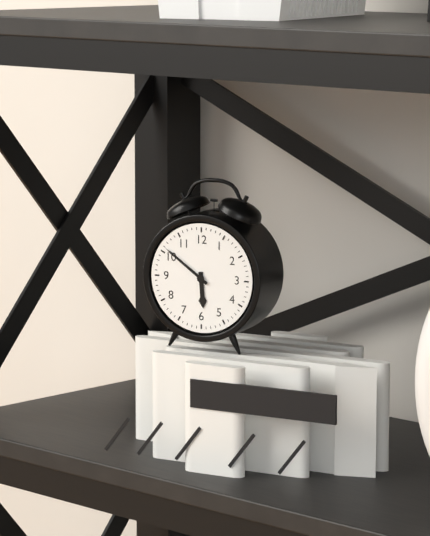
5:51
